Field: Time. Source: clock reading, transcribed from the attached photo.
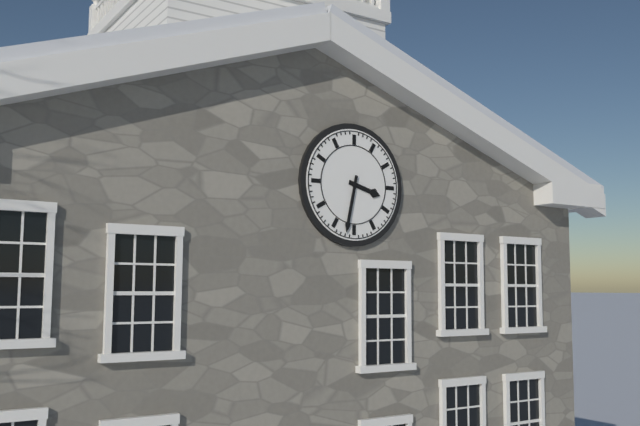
3:32
